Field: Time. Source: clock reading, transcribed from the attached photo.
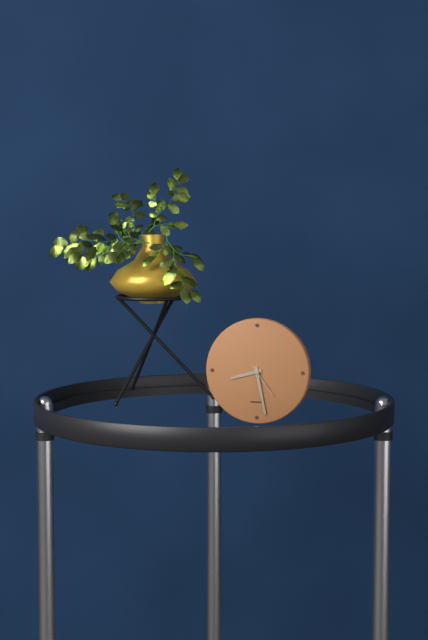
8:28
